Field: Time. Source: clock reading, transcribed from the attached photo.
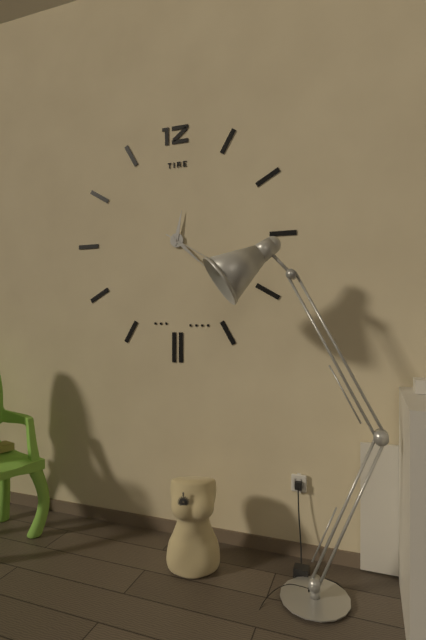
12:22:20
